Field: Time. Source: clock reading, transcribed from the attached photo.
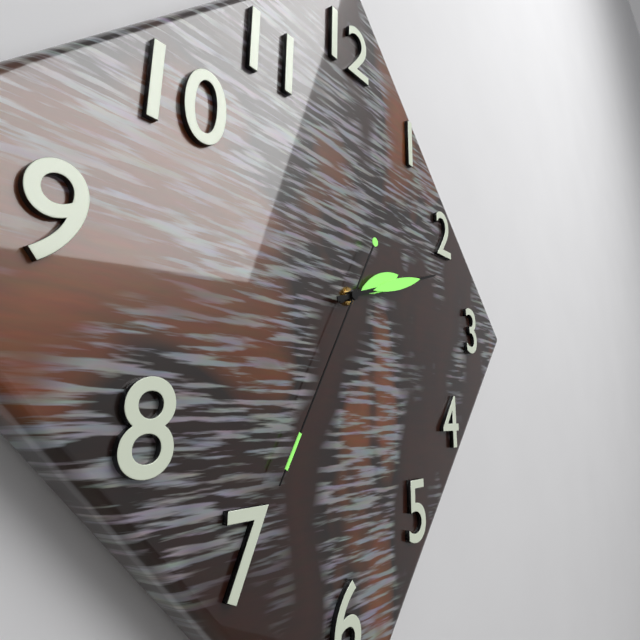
2:12:35
